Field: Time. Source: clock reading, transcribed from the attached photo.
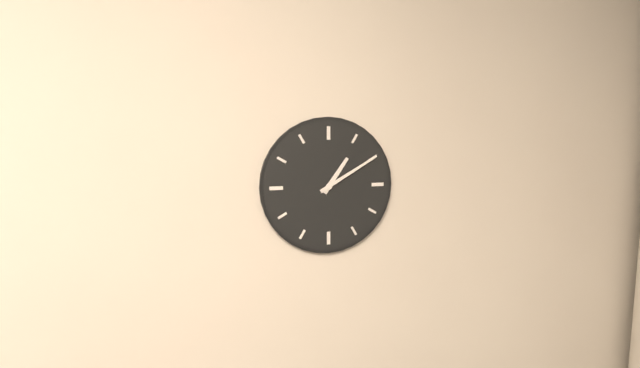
1:10
